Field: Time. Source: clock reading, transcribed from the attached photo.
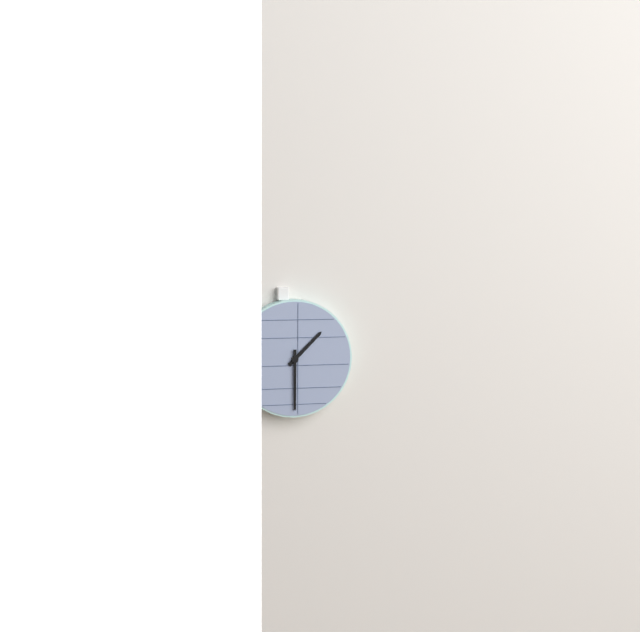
1:30
